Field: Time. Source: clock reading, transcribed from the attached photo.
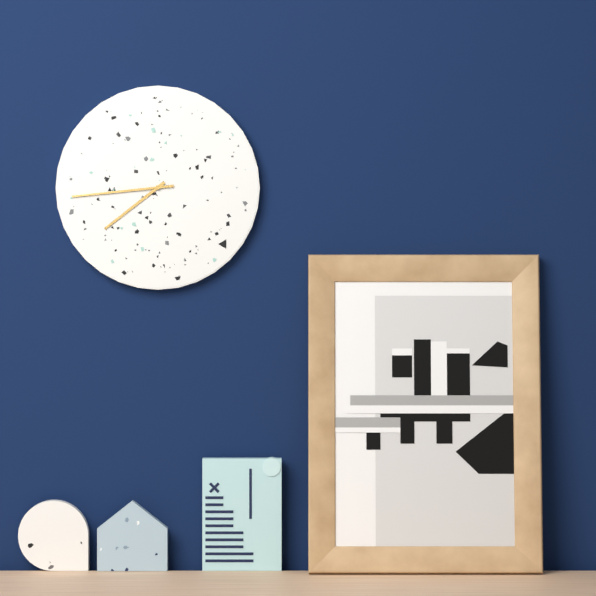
7:44
